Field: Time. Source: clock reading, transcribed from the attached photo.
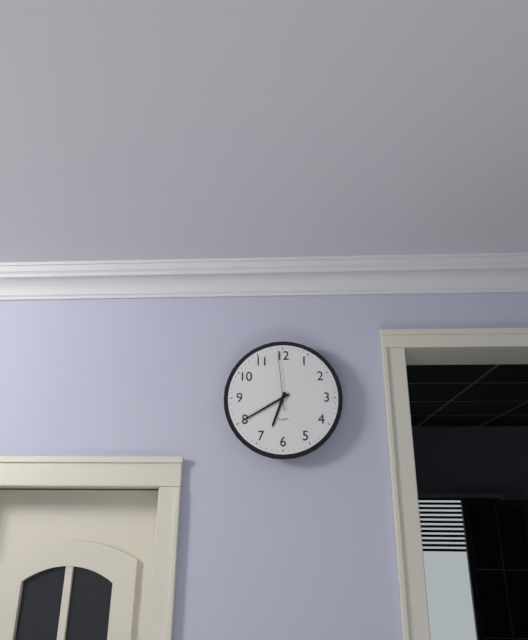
6:40:59
